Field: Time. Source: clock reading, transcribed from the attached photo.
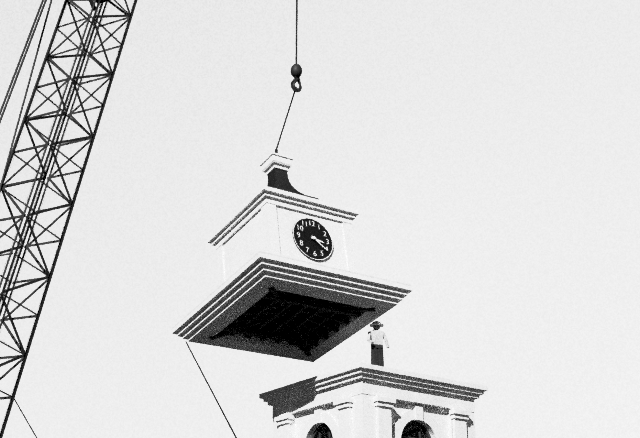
3:21
